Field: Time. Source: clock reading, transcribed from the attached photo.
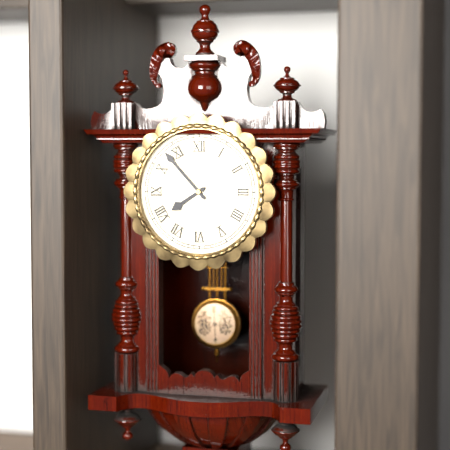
7:53
